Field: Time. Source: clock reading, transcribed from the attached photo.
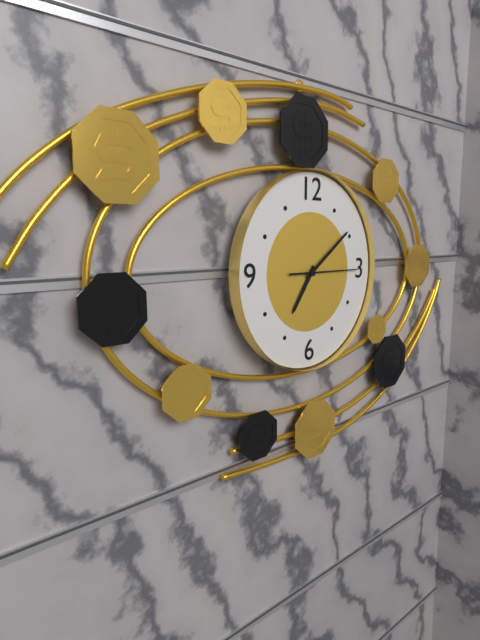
7:09:15
